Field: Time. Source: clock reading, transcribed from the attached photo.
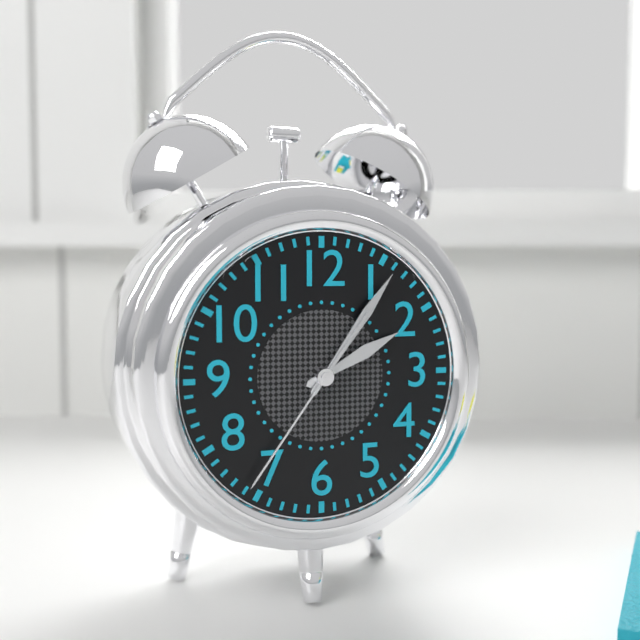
2:06:36
